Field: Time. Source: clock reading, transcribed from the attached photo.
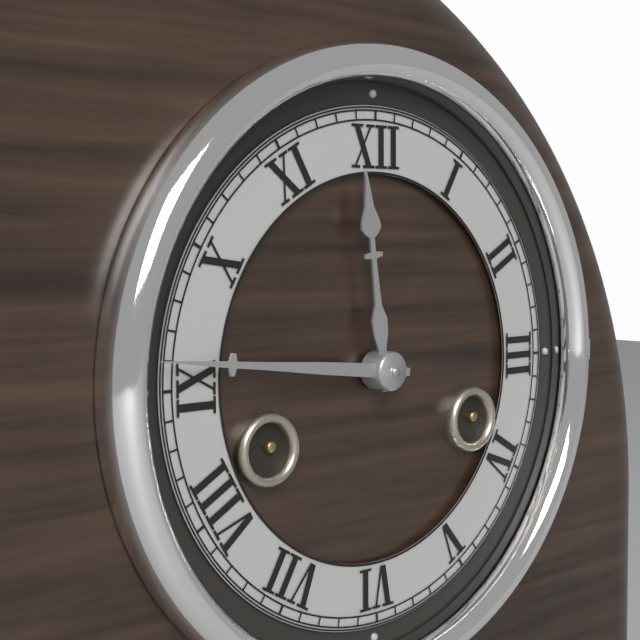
11:46
